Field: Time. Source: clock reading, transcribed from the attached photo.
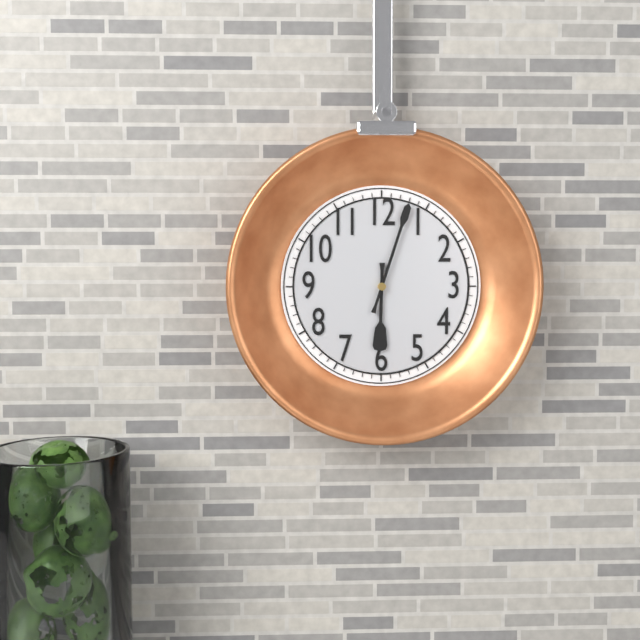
6:03
